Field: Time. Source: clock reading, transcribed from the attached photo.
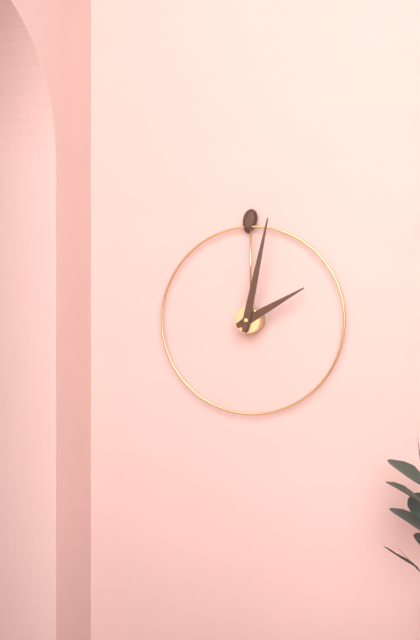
2:02
